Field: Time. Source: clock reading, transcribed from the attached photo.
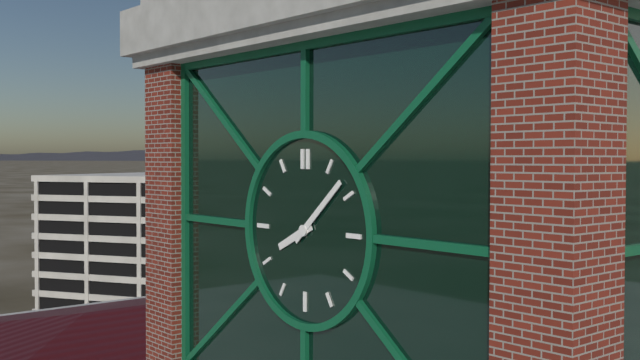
8:08
